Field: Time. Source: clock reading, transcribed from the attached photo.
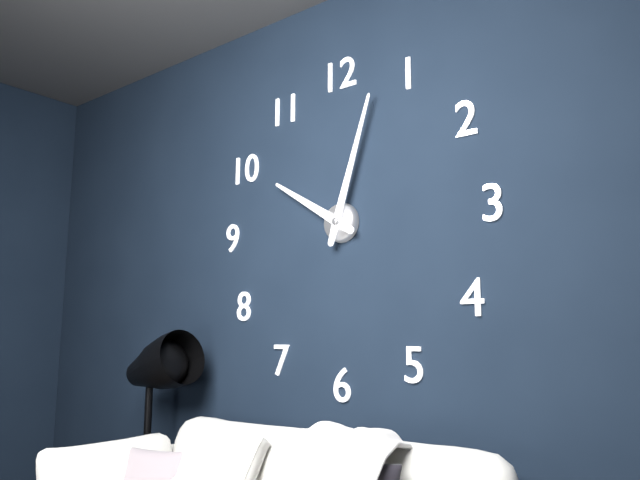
10:03
